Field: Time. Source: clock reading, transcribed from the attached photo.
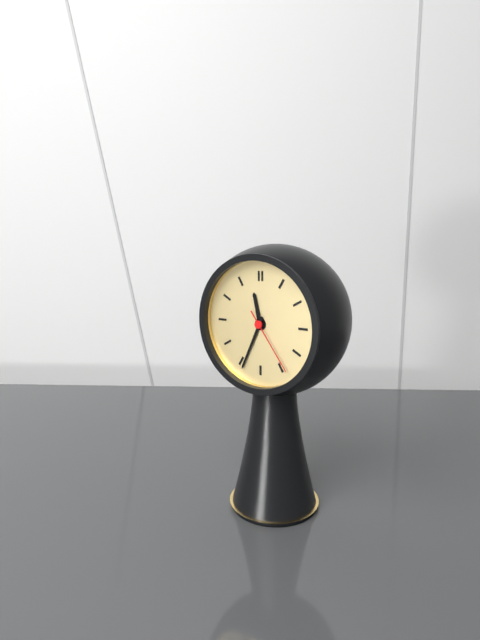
11:34:24
